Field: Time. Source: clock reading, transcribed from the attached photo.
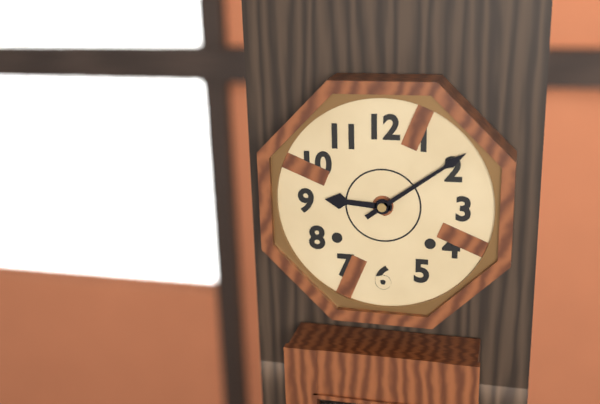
9:09
